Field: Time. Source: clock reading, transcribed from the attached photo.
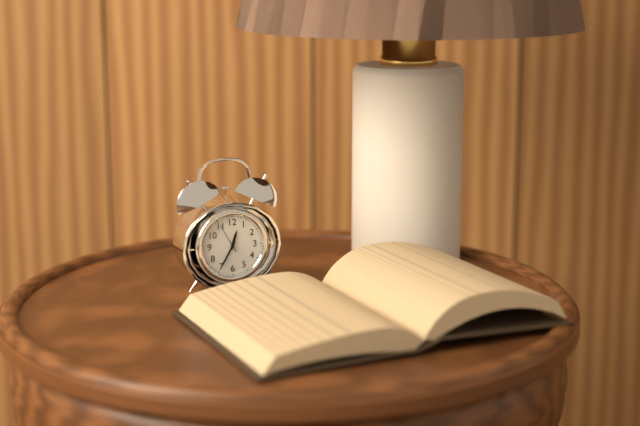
12:35
